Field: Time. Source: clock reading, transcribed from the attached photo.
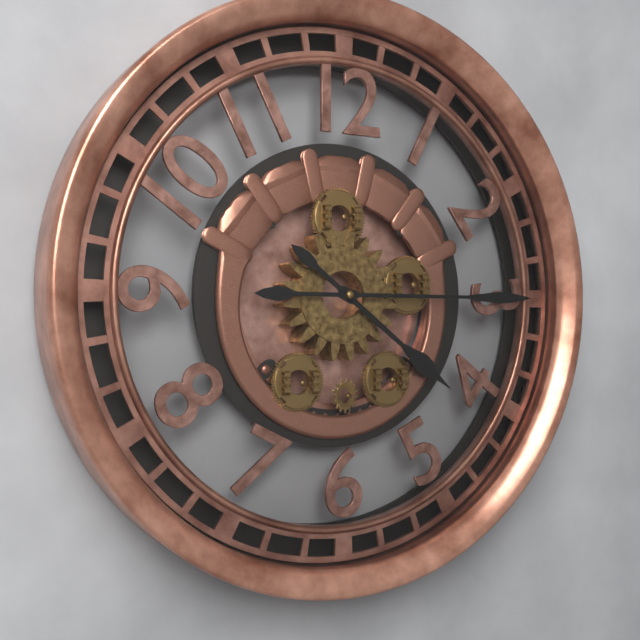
4:15
